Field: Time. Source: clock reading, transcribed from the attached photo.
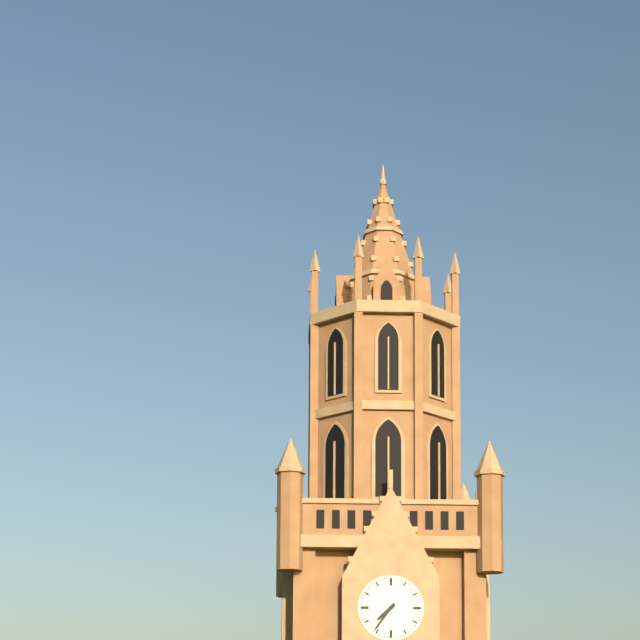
7:36
